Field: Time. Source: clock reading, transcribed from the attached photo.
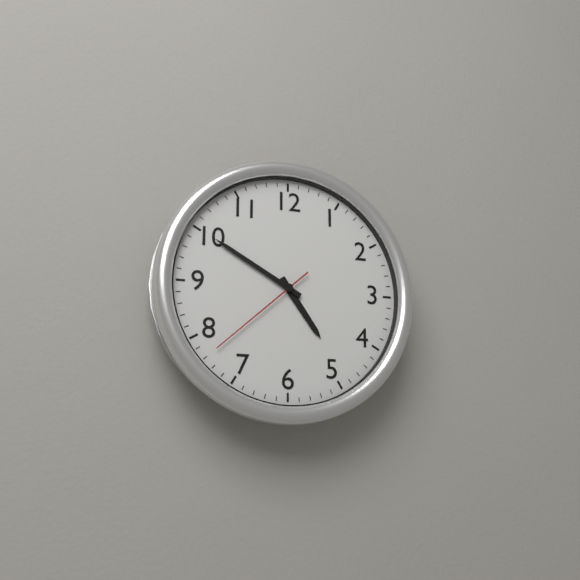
4:50:38
